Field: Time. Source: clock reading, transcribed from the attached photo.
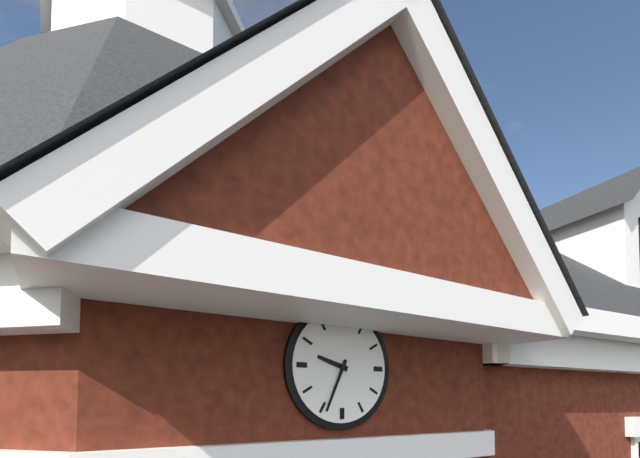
9:34
